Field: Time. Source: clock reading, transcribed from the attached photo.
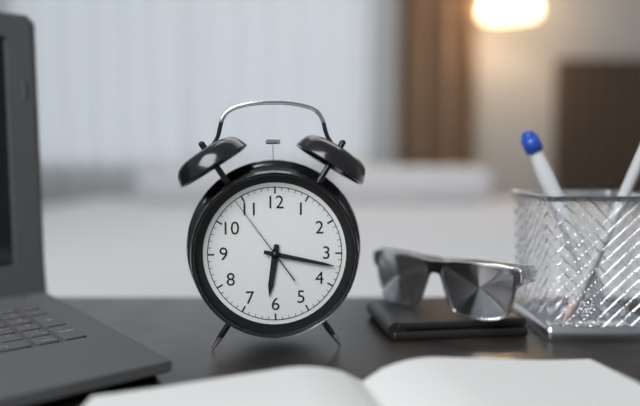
6:17:54
